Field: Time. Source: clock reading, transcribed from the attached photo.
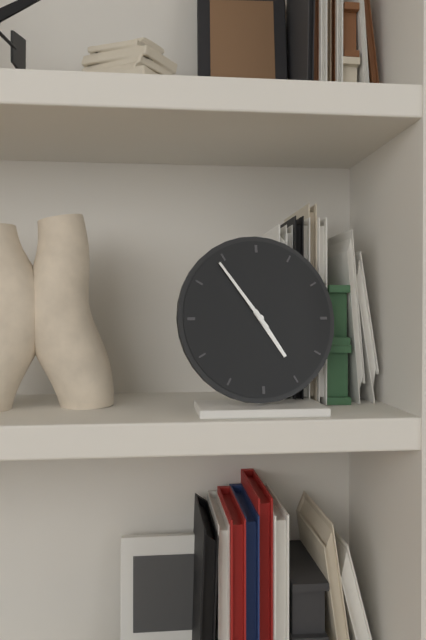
4:54
